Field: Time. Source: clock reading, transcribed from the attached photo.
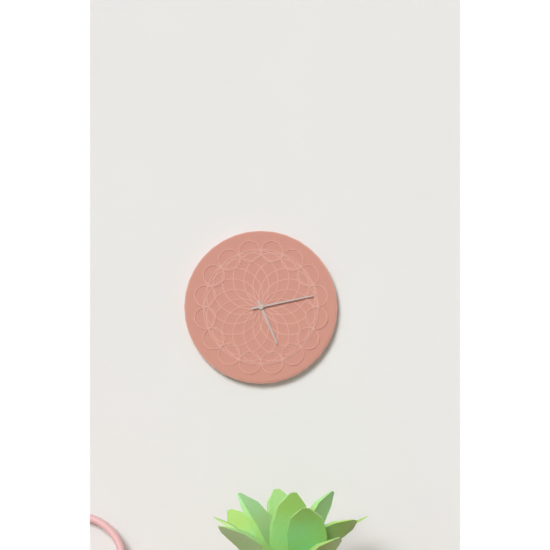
5:13
